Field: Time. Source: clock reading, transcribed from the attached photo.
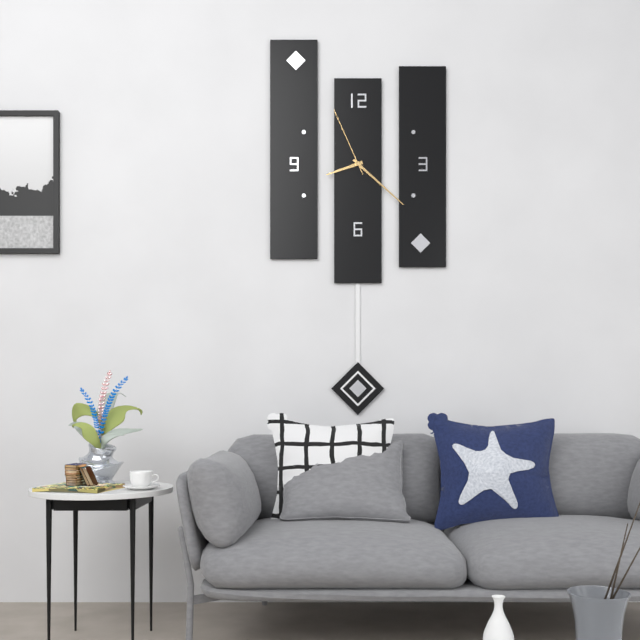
8:22:56
